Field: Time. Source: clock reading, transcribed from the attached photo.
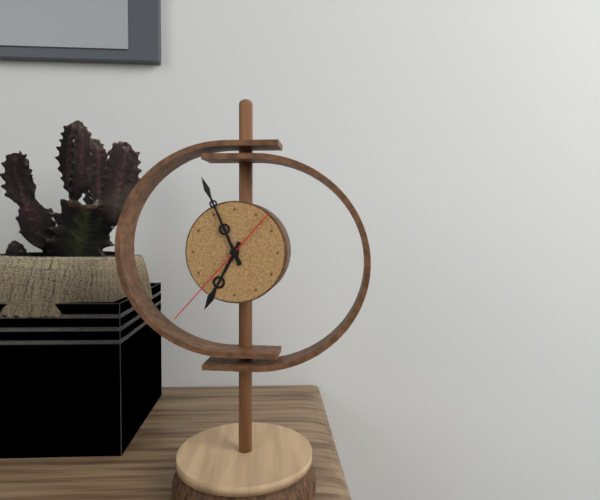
6:56:37
